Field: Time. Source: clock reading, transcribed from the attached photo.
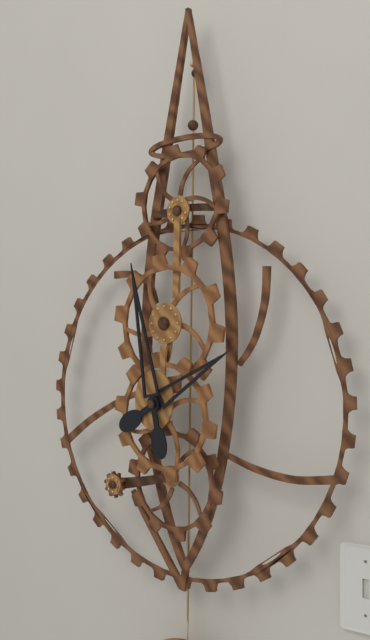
1:58
